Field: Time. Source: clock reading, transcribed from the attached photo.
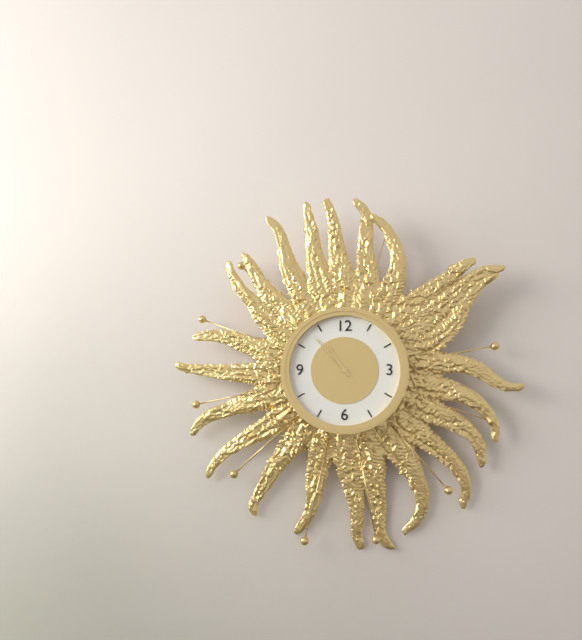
10:53
